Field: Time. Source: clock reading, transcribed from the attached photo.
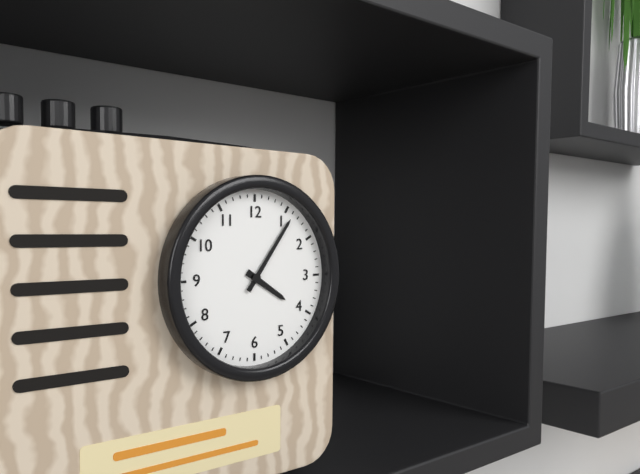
4:06
